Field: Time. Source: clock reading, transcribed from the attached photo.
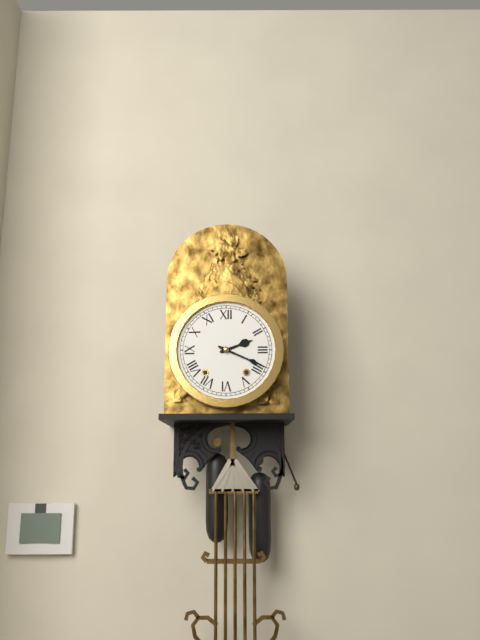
2:19
